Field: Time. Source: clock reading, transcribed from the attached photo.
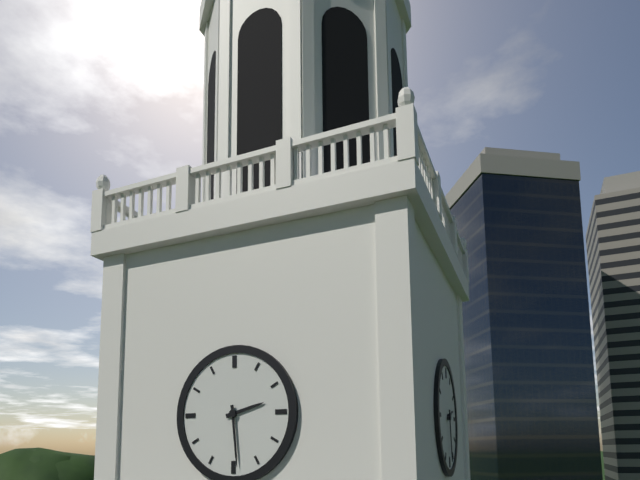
2:29
